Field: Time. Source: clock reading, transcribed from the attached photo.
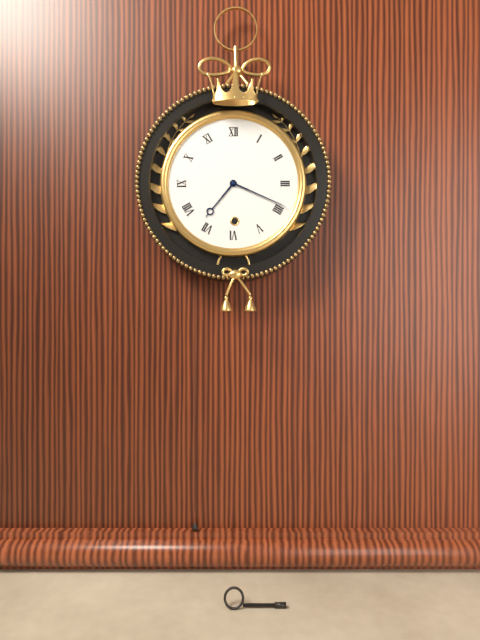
7:19
